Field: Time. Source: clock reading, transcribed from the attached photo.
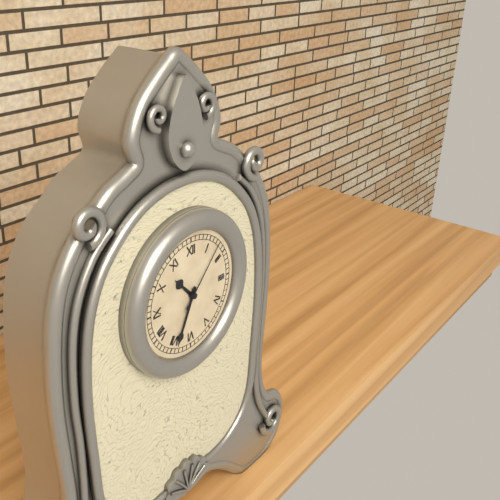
10:34:07
